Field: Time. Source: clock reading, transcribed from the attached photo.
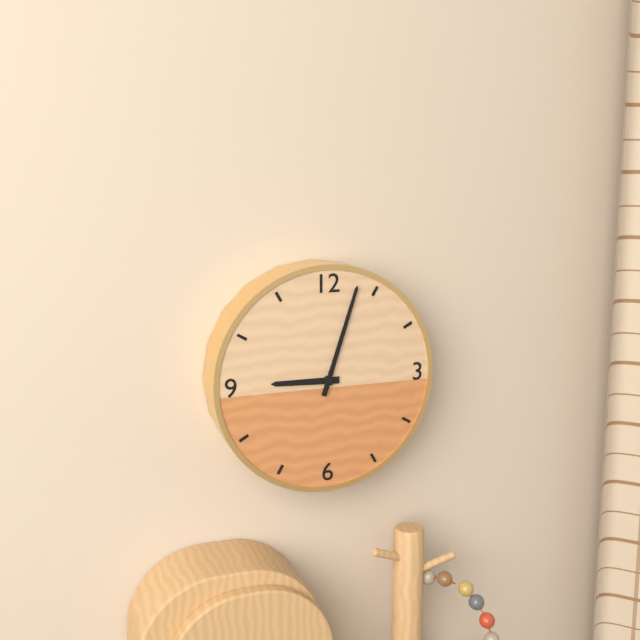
9:03
